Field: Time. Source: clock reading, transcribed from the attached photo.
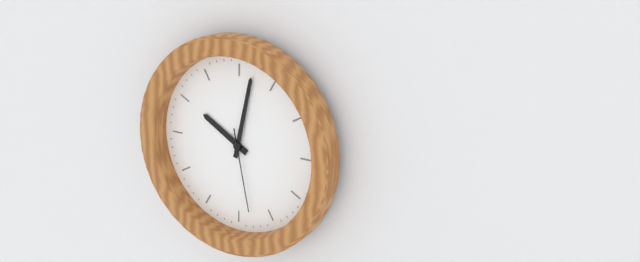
10:02:28
